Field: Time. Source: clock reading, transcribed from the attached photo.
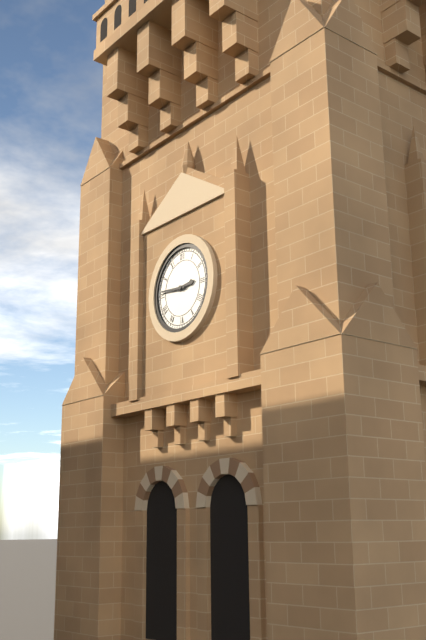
2:46
